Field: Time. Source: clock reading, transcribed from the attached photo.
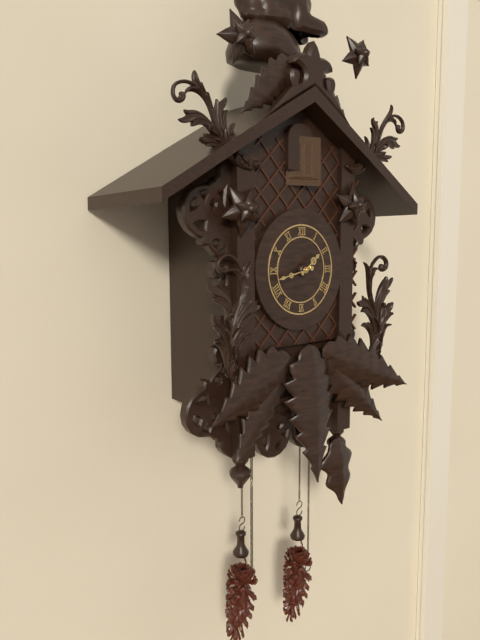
1:43
